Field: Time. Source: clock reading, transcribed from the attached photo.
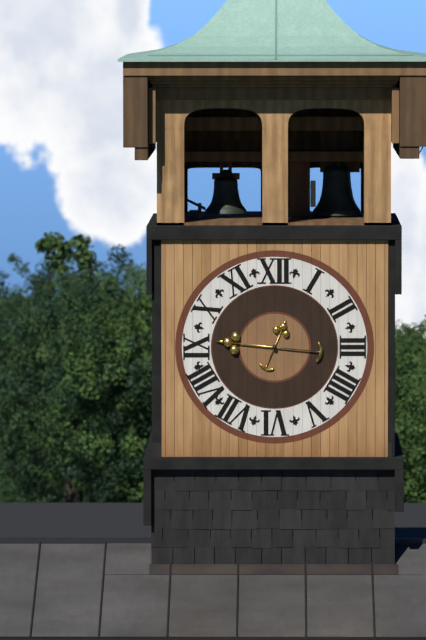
12:46
